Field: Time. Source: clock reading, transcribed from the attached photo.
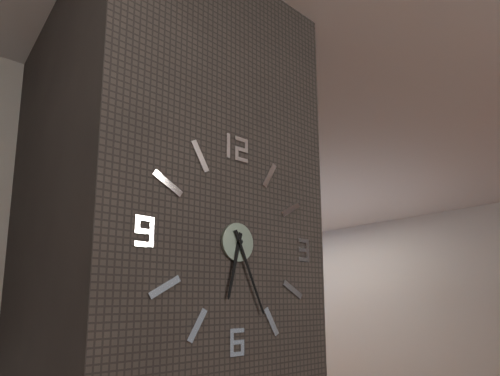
6:26
